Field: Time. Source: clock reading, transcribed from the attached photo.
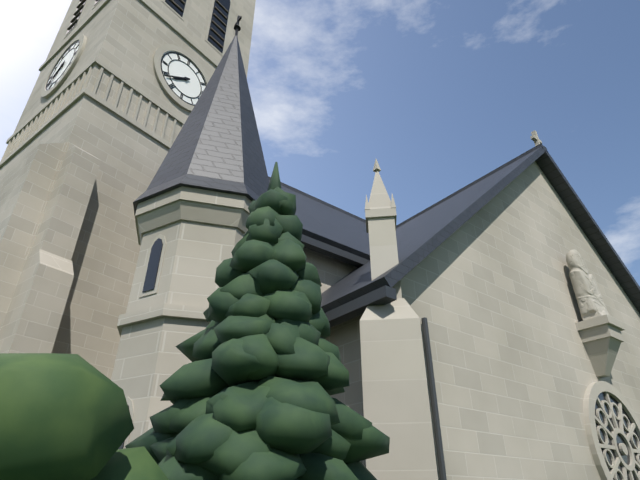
7:39
